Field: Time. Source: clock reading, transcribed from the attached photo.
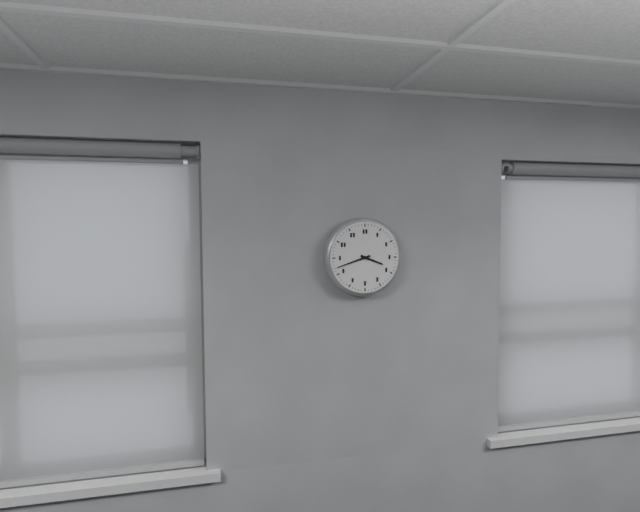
3:42
